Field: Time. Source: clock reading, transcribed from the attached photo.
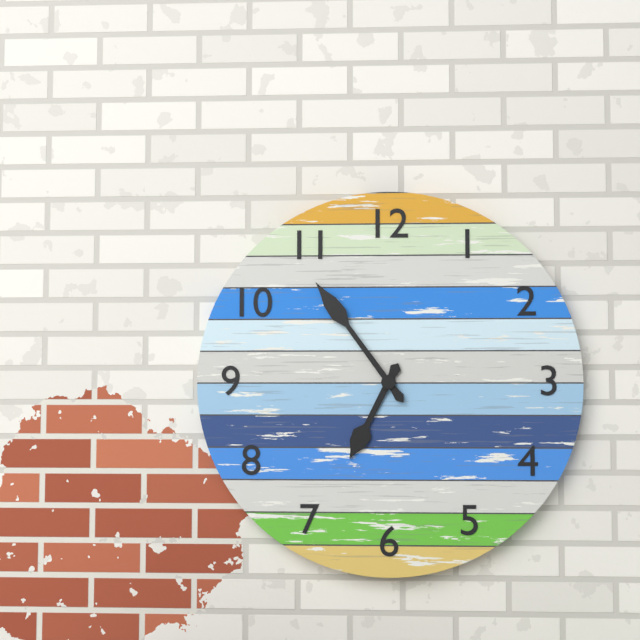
6:54
